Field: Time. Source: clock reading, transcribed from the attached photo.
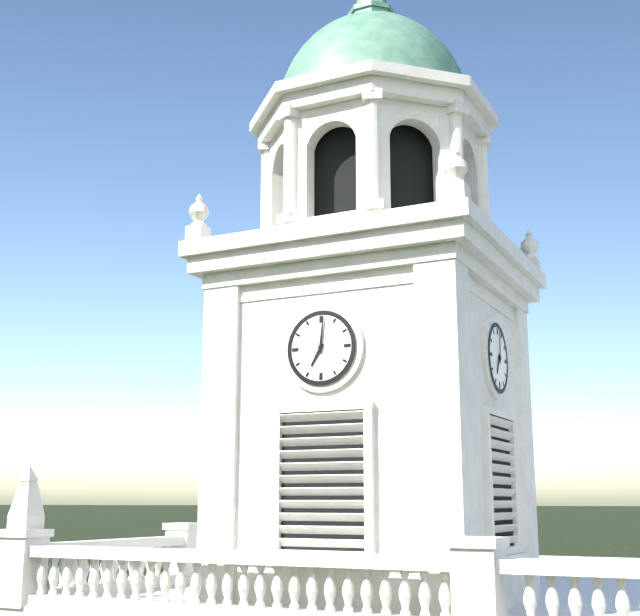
7:01
